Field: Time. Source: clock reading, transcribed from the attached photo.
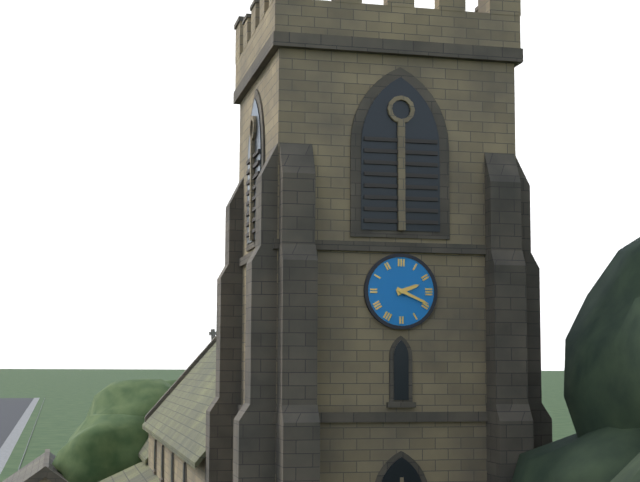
2:19
